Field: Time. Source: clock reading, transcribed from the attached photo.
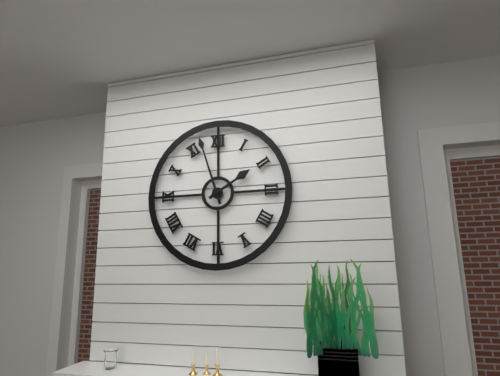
1:57
